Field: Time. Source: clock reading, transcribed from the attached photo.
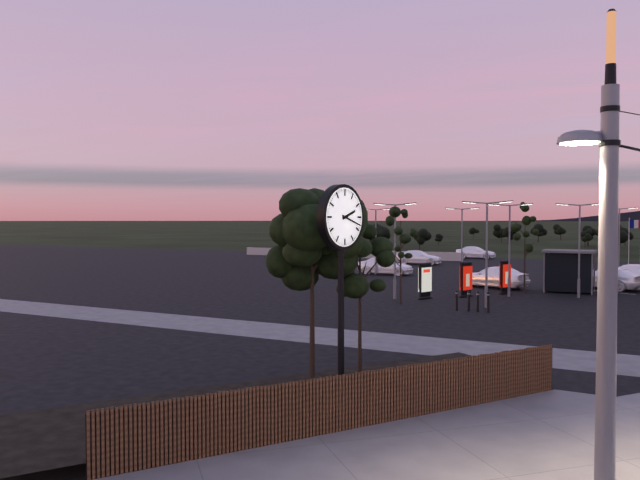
2:18
